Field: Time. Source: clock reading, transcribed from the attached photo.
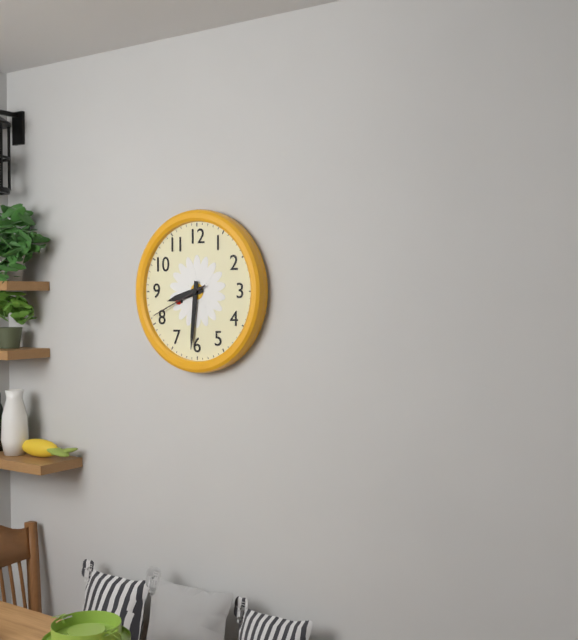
8:31:41
